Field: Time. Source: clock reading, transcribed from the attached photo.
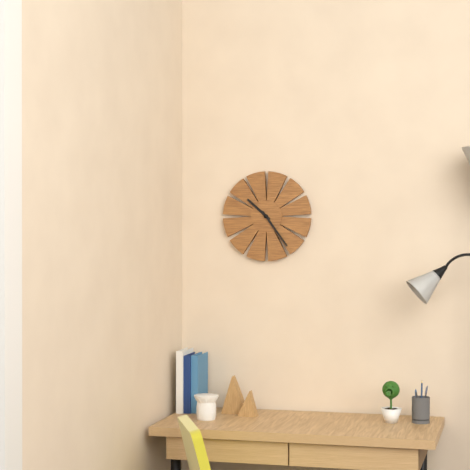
10:24
